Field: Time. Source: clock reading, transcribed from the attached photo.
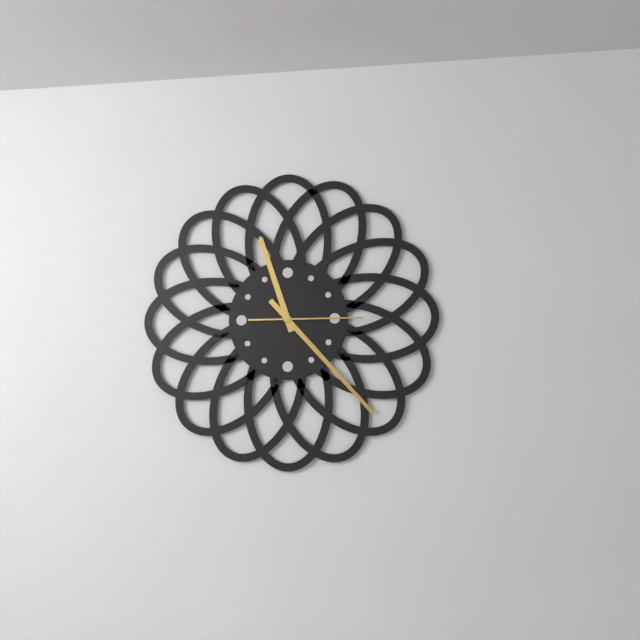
11:23:15
